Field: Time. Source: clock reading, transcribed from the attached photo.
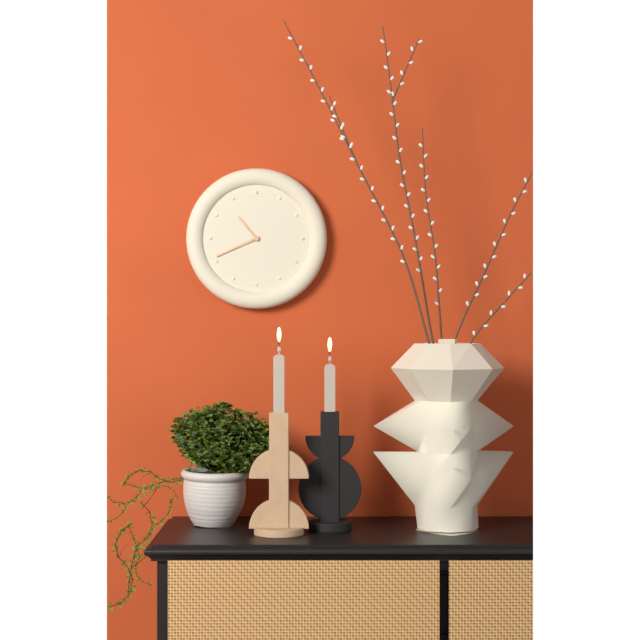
10:41
